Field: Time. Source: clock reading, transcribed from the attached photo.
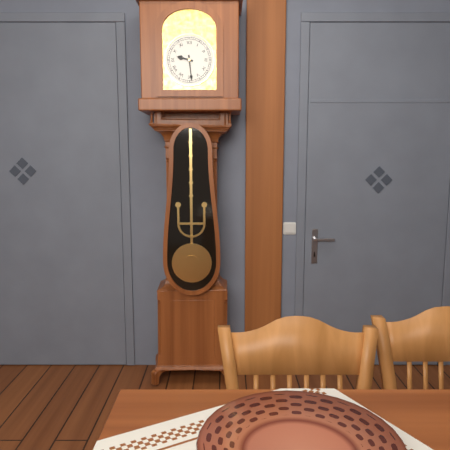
9:29
